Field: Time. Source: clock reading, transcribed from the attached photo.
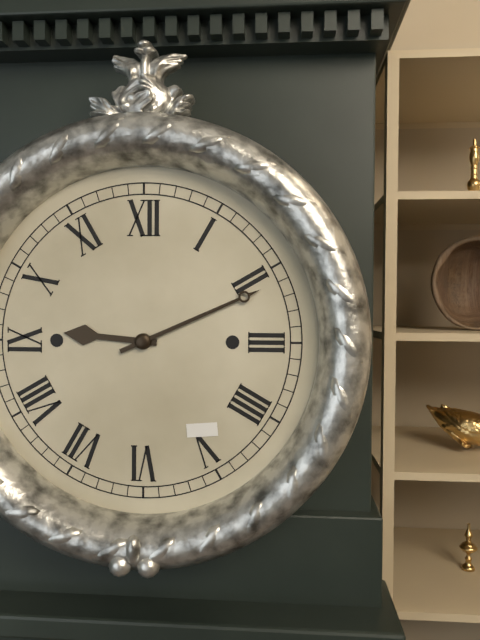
9:11
